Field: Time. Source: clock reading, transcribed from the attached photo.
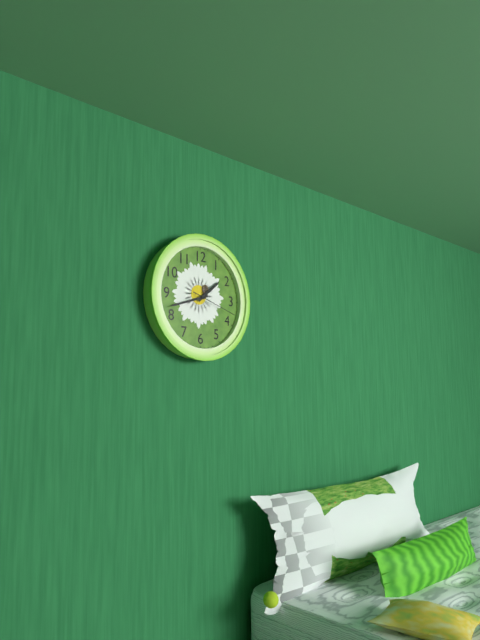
1:42
